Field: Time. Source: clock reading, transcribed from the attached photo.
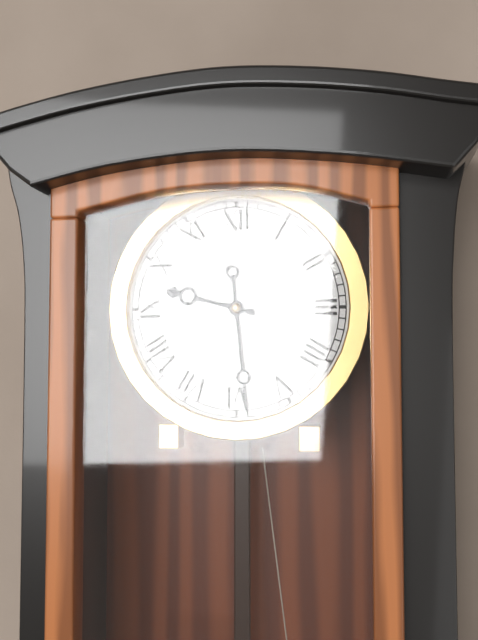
9:29
